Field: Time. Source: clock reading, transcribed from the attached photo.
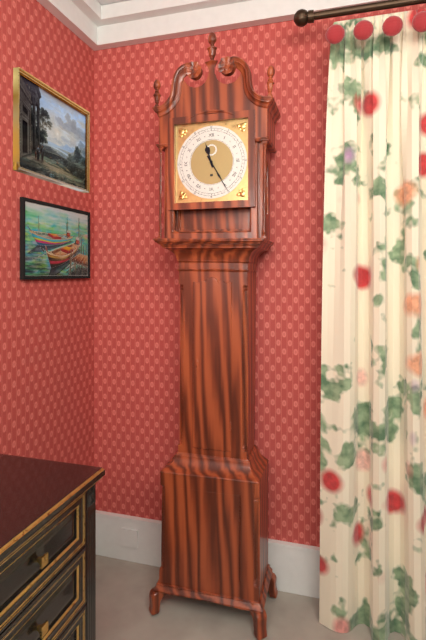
11:25
